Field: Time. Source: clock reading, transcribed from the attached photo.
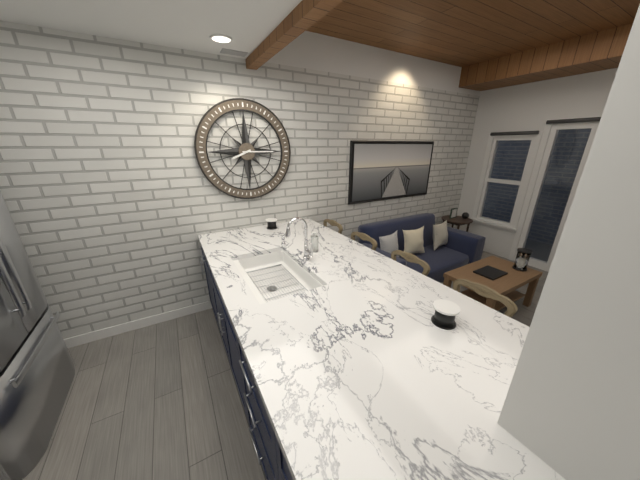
8:15
